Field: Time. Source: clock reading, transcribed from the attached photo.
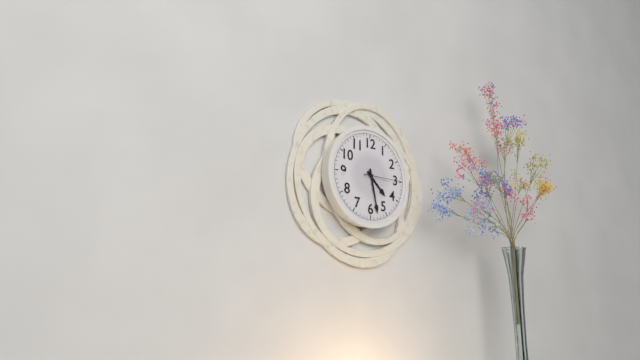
4:28:15
